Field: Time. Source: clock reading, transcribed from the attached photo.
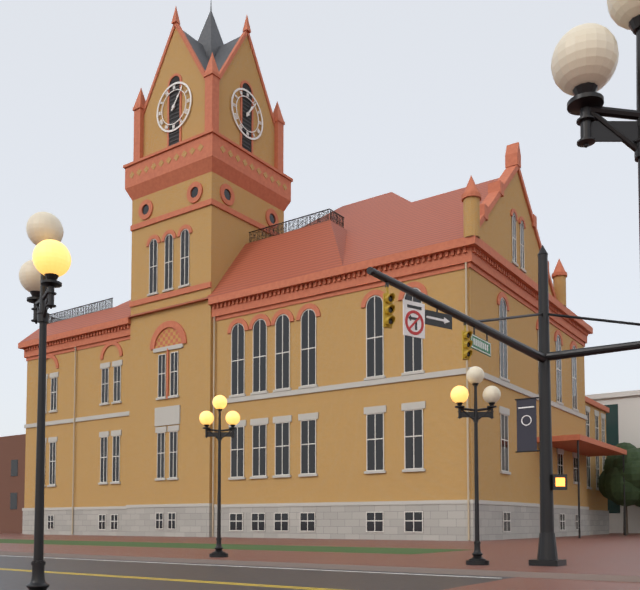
1:06
